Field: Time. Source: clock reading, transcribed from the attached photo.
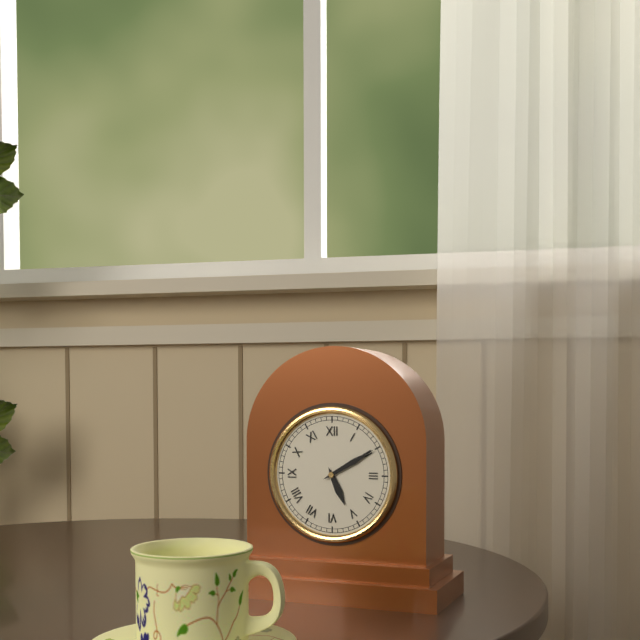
5:10
